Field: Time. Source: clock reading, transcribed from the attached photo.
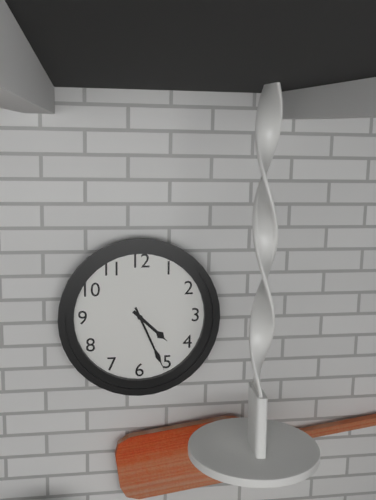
4:26
